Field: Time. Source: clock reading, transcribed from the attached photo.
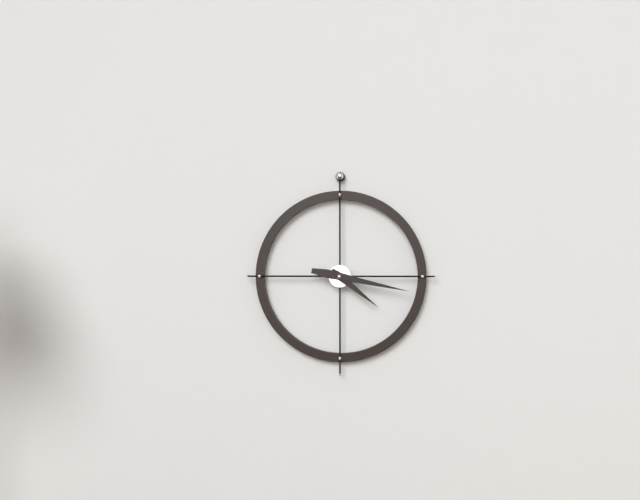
4:17
